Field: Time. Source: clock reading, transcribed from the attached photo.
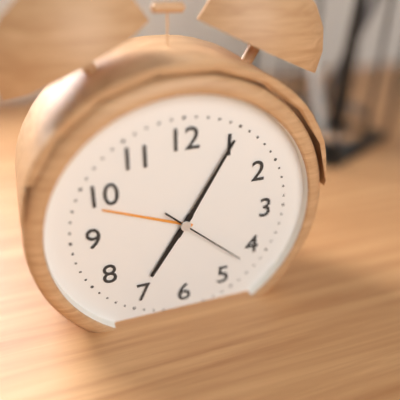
7:05:22
